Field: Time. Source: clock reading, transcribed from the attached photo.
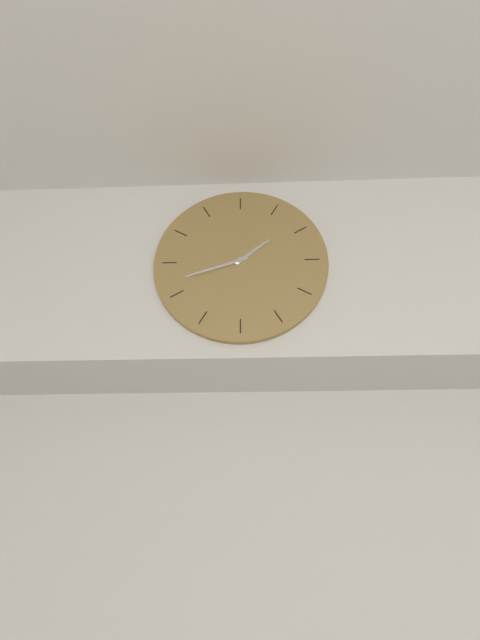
1:42
